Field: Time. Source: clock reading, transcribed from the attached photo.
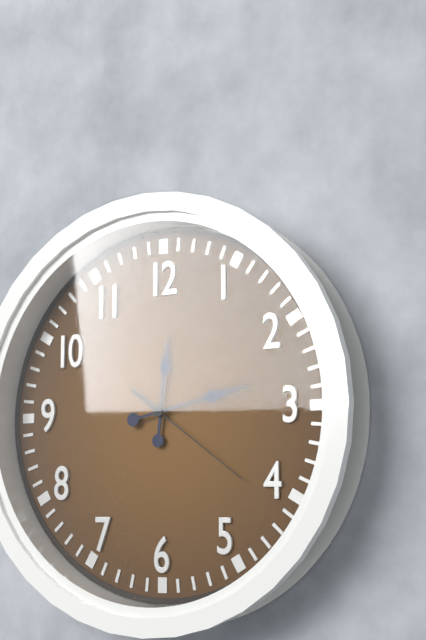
12:13:21
